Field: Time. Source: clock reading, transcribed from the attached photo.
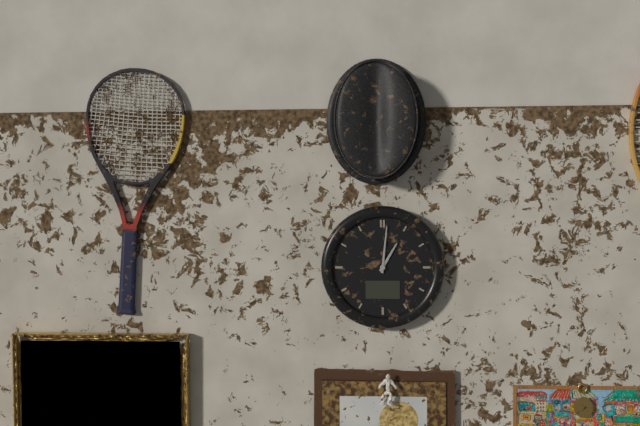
1:01
